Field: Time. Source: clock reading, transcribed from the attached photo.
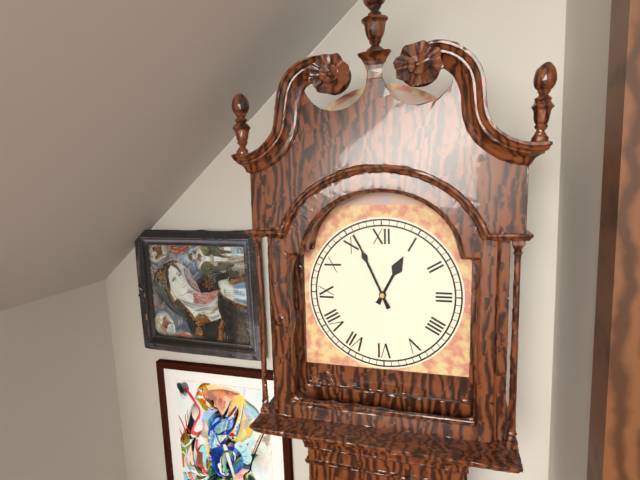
12:56
